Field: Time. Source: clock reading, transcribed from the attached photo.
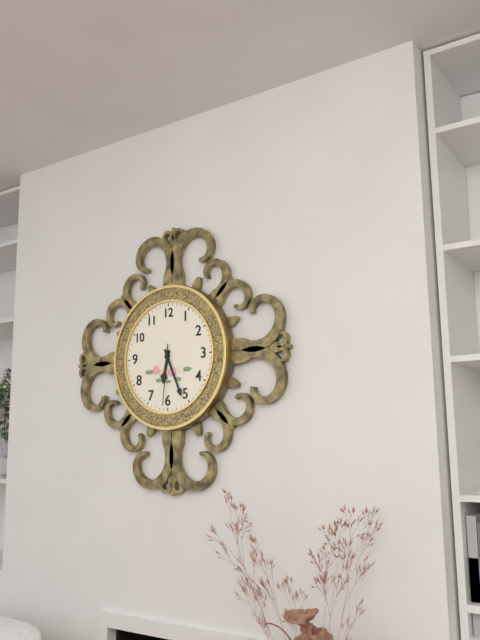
6:26:31
